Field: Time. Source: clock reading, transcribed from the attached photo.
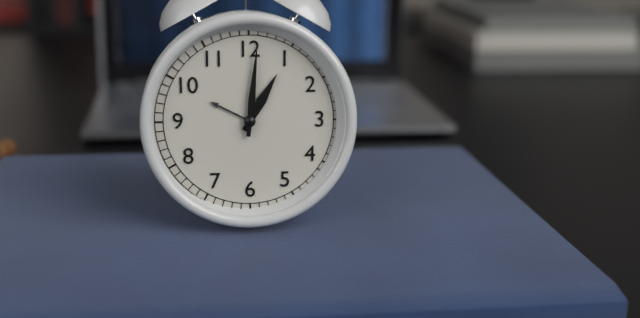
1:01
